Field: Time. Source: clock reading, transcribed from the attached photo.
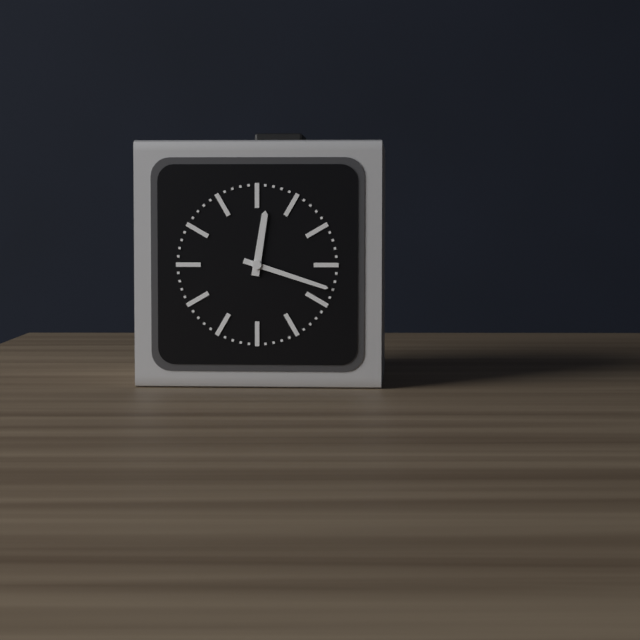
12:18
